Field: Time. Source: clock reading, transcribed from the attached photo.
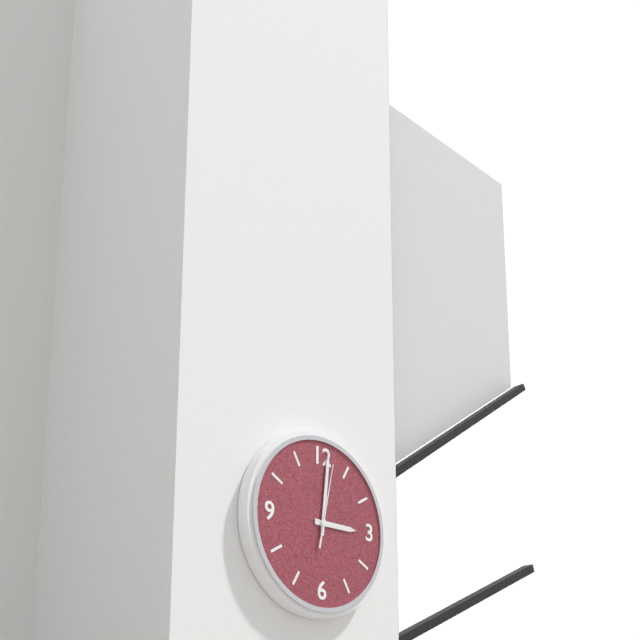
3:01:02
